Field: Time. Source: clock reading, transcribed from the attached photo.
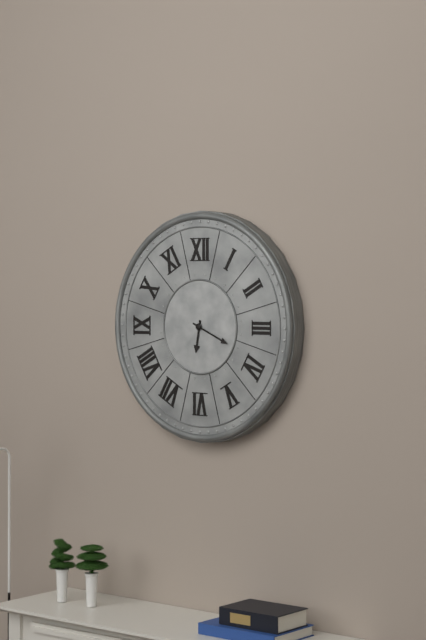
6:19
